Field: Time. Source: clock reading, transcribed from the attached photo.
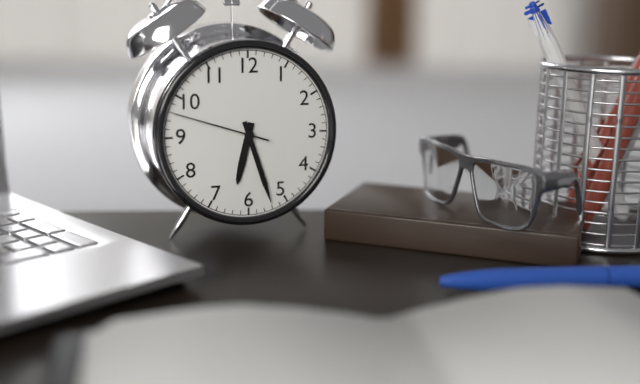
6:27:48
